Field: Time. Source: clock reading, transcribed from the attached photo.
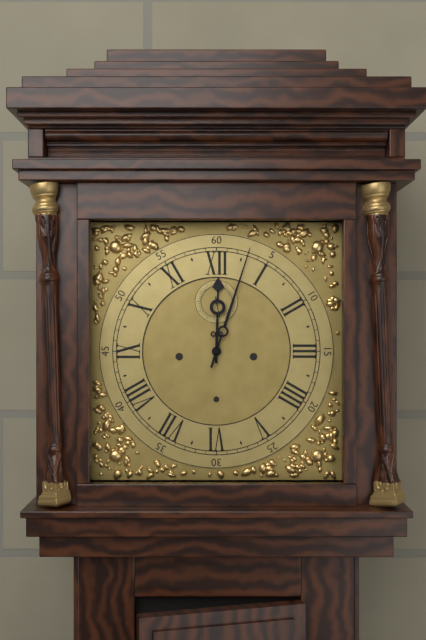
12:03
